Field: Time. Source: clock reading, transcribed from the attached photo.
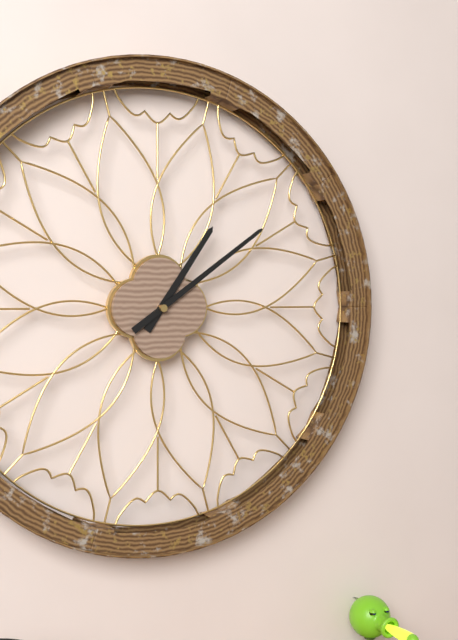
1:09
